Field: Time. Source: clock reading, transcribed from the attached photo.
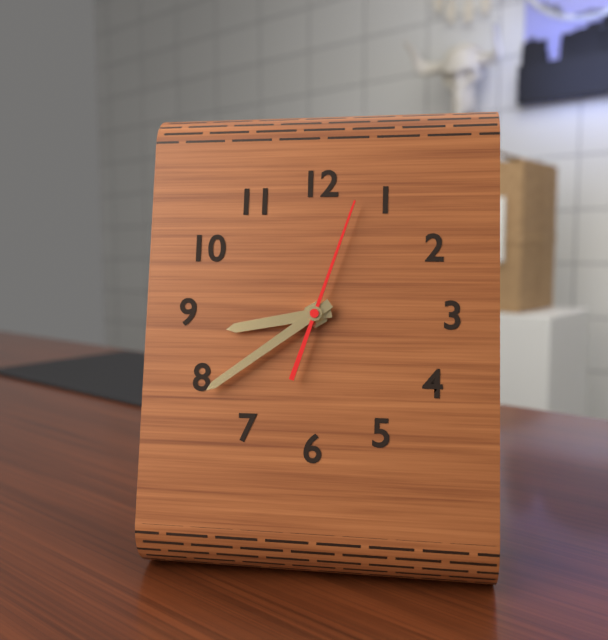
8:39:03
